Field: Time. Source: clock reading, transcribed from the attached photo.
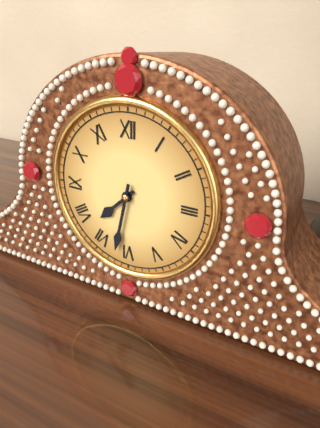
7:32
